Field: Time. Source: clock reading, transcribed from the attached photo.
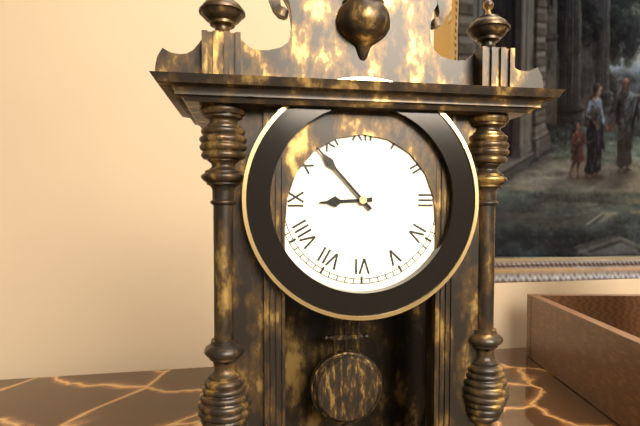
8:53
